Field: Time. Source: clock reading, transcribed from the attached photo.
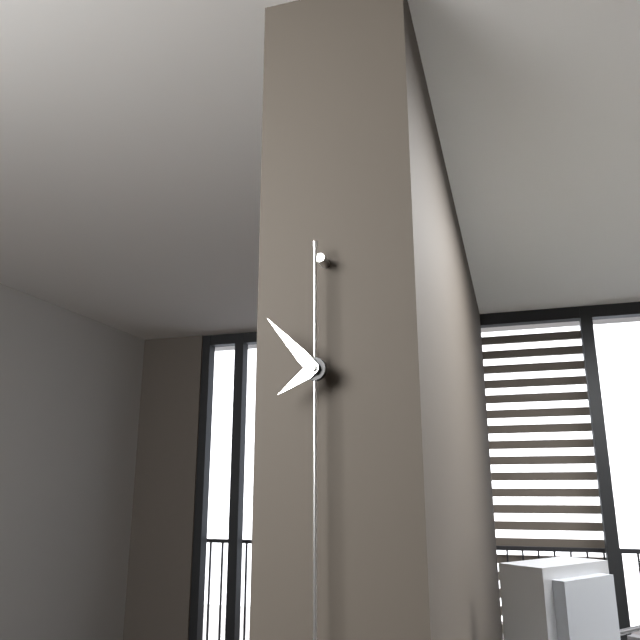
7:53
